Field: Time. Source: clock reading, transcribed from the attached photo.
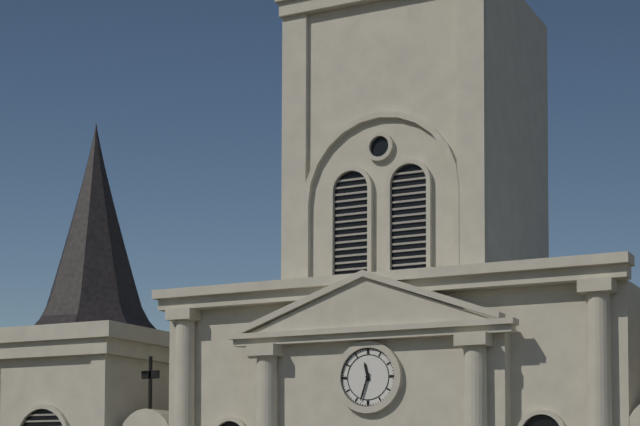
11:33
